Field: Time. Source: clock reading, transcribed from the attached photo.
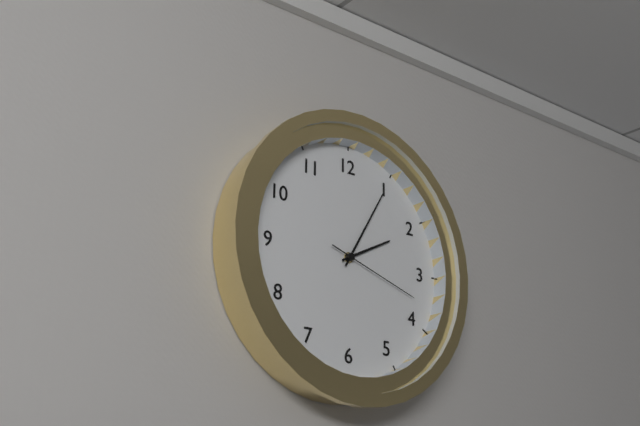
2:05:18
